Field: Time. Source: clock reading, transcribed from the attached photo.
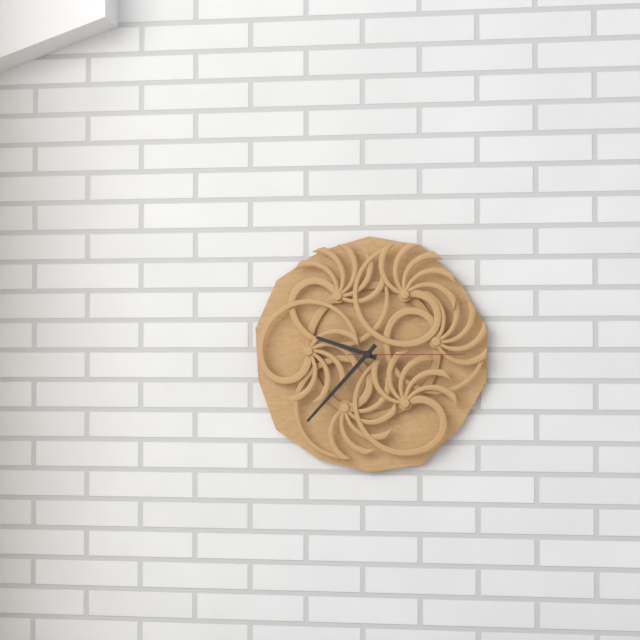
9:37:15
